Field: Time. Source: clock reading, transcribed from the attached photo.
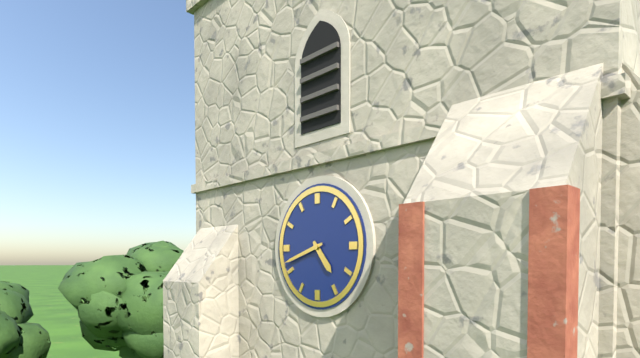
4:42
